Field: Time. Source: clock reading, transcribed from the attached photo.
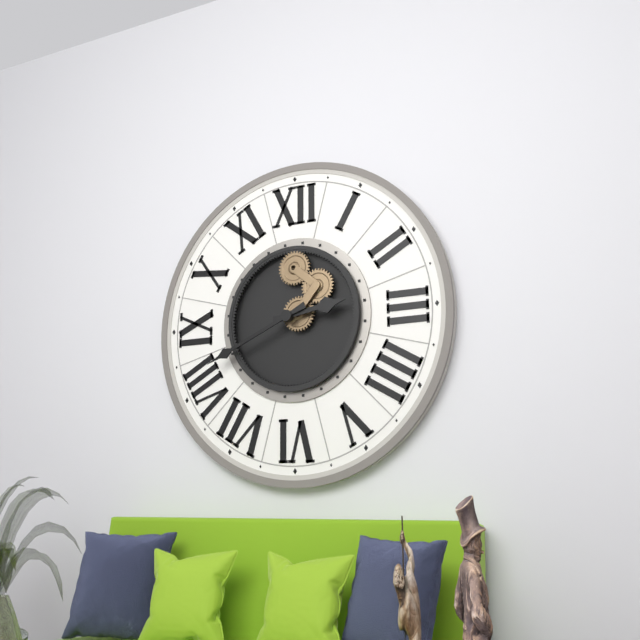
2:41
